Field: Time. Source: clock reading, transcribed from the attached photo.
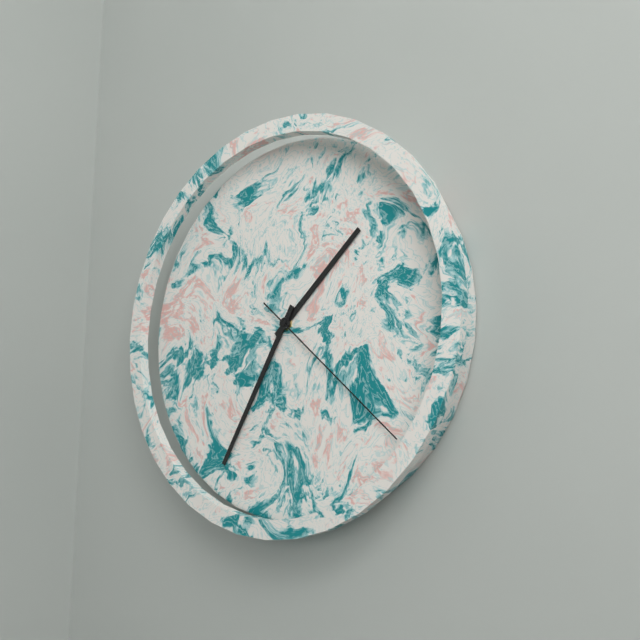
1:35:22
